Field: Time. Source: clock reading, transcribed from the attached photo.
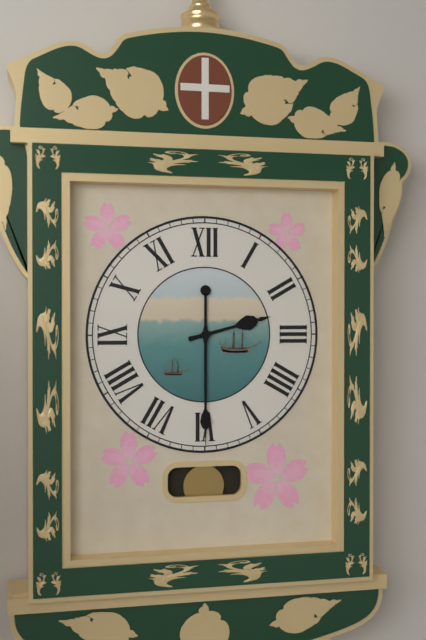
2:30
